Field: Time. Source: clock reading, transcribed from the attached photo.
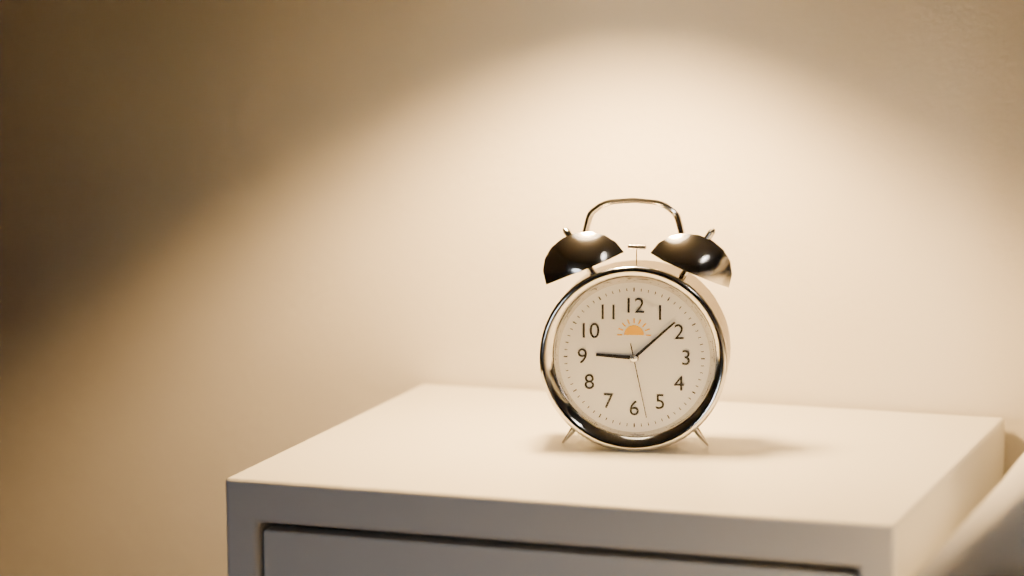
9:08:28
